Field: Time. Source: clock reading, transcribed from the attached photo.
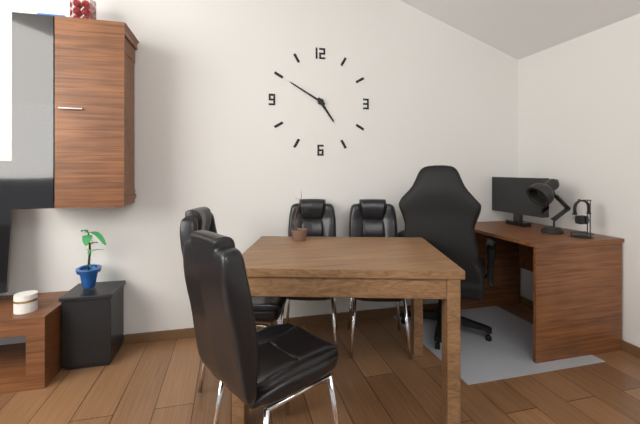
4:50
